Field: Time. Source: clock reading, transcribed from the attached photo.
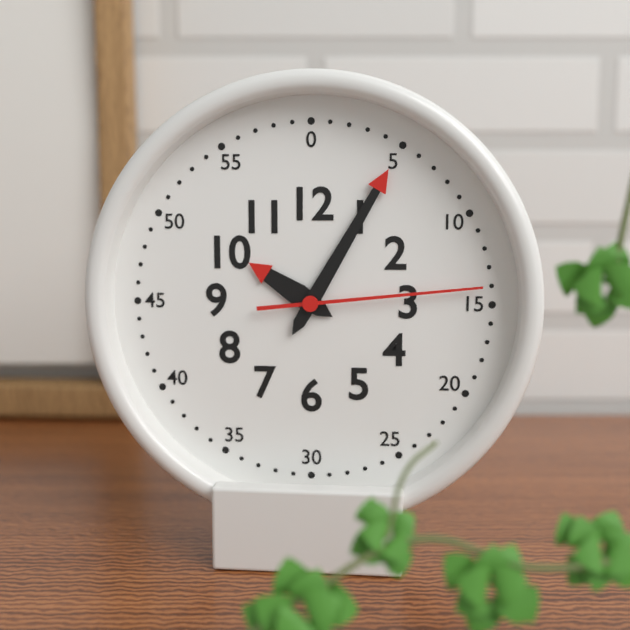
10:05:14
